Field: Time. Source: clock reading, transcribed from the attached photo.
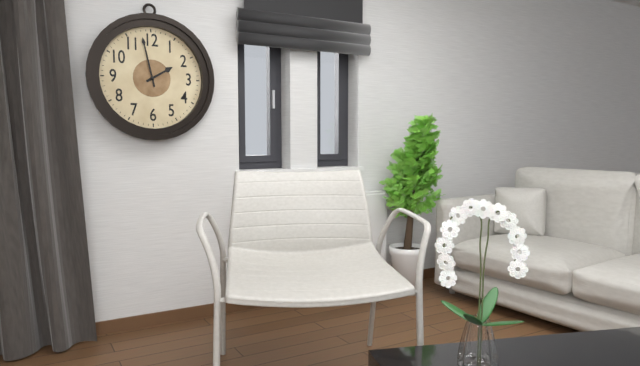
1:58
